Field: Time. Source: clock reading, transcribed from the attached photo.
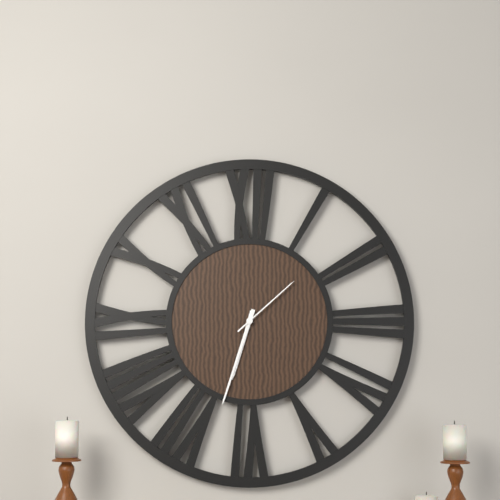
6:33:08
